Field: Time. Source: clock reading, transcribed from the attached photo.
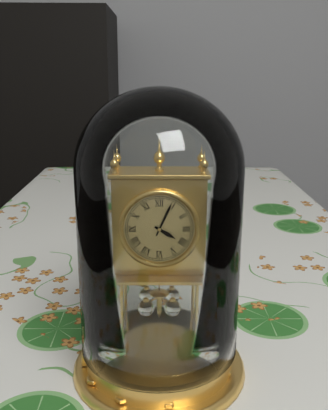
4:04
